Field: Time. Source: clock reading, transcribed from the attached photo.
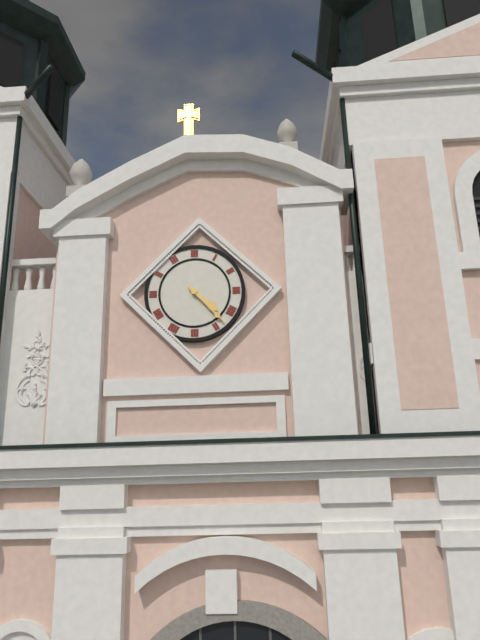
4:23
